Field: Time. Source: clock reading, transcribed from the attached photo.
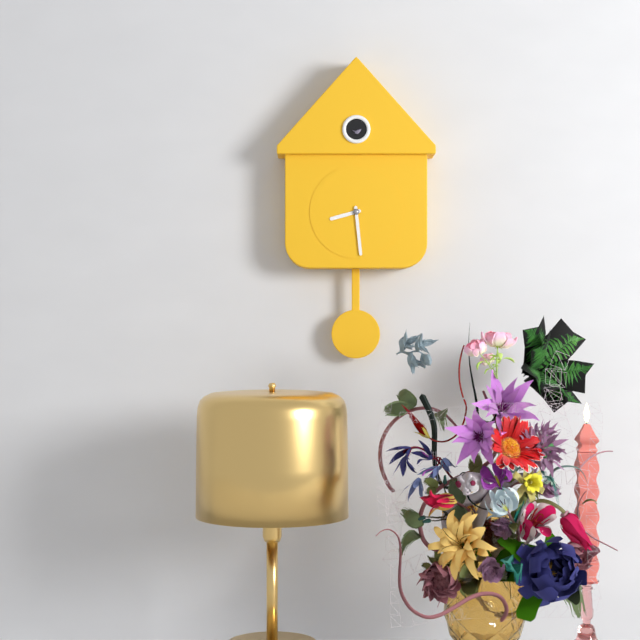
8:29
